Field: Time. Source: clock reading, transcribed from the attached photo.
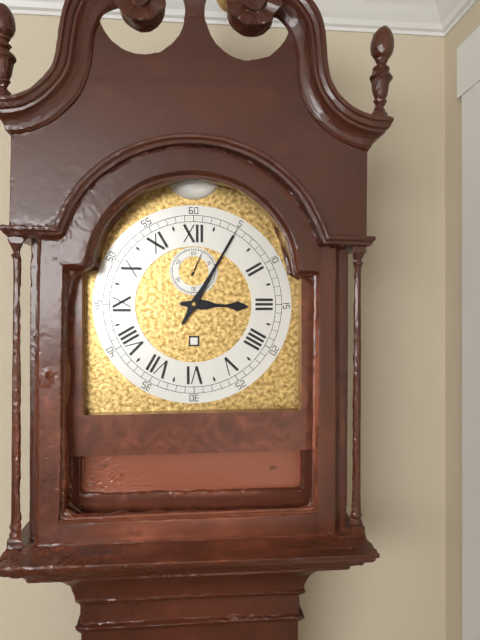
3:05
